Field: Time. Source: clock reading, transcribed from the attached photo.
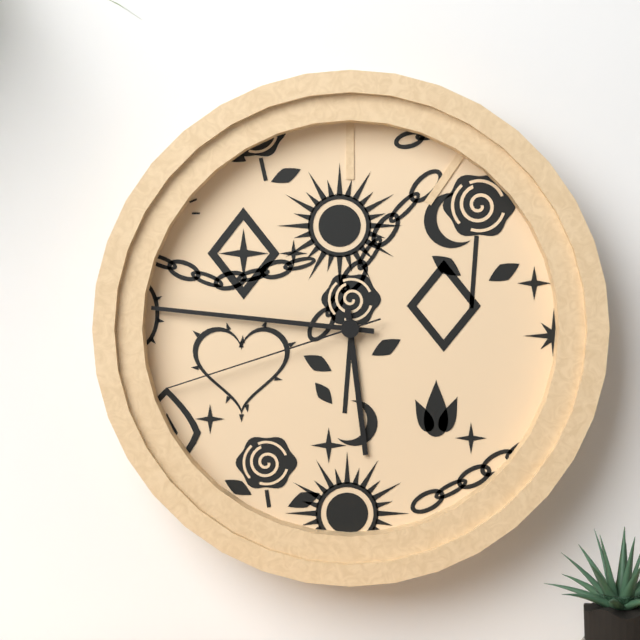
5:46:42
